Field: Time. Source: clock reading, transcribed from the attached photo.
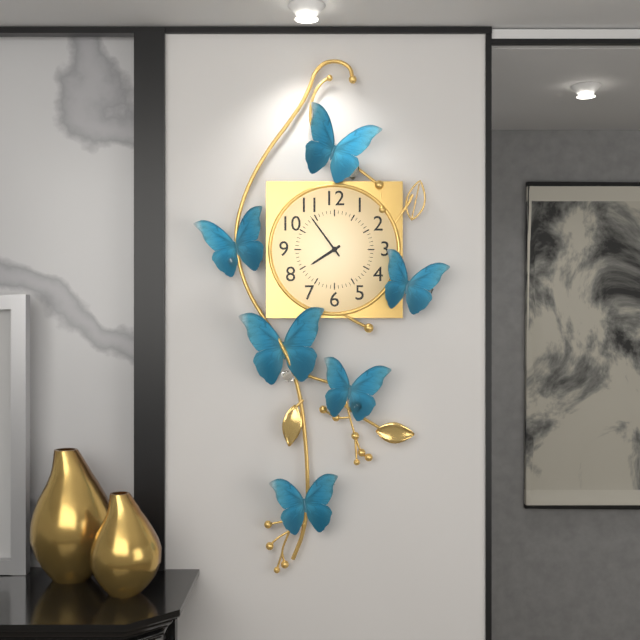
7:54
